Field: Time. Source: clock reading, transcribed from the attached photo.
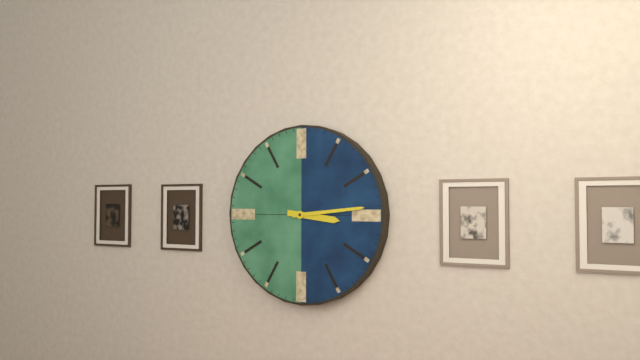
3:14
